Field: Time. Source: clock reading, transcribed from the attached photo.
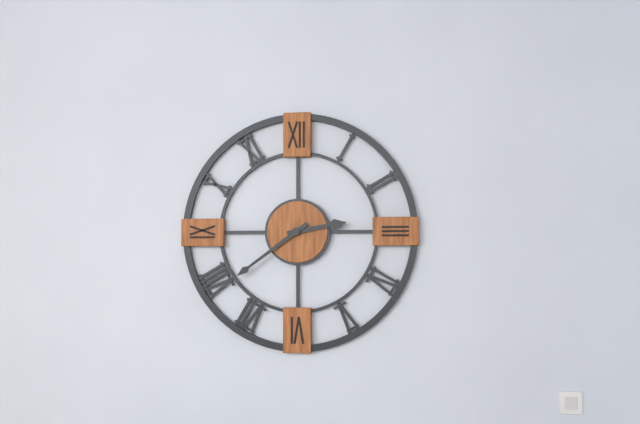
2:39
